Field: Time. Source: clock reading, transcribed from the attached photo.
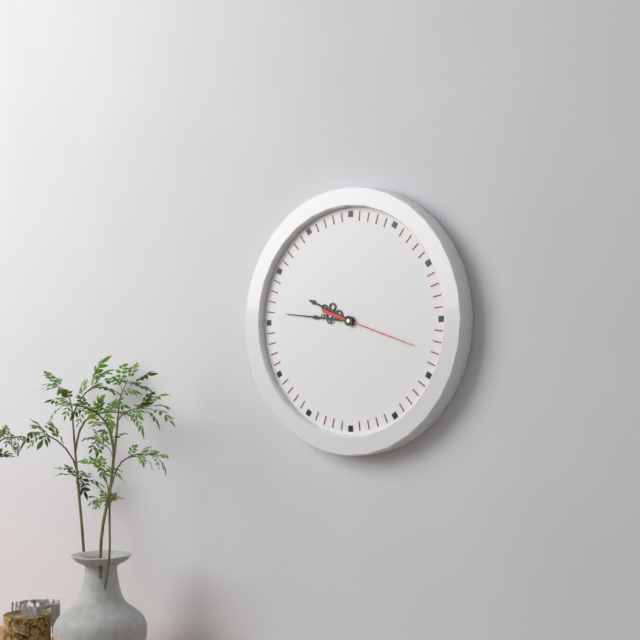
9:46:18
